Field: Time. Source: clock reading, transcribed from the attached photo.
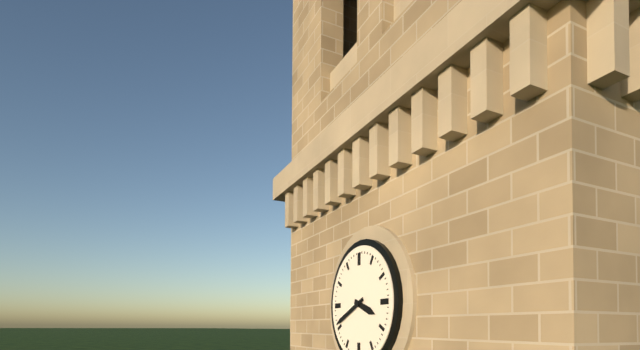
3:41
